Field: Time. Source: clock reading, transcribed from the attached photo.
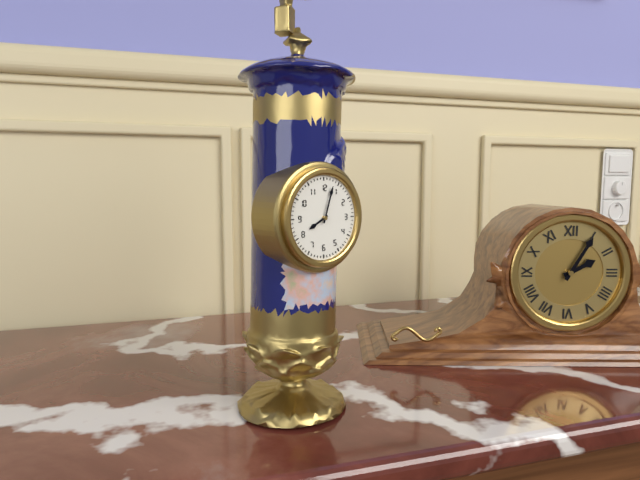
8:03
